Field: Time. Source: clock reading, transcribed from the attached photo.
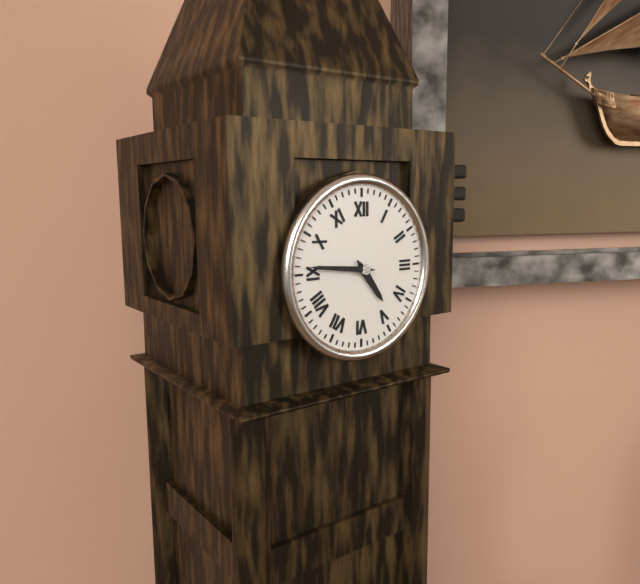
4:46
